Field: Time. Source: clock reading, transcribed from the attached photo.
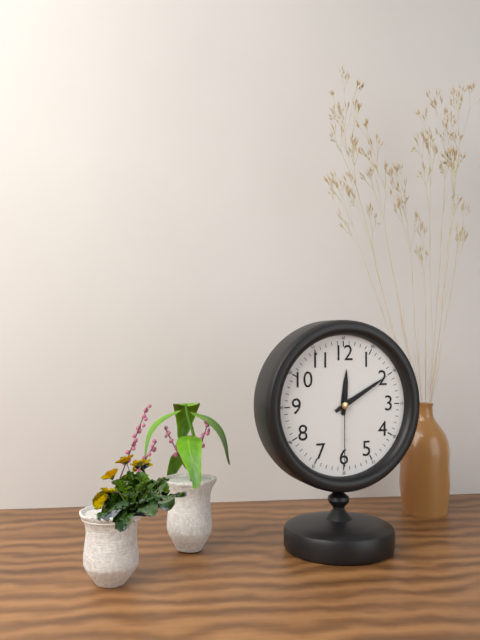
12:10:30
